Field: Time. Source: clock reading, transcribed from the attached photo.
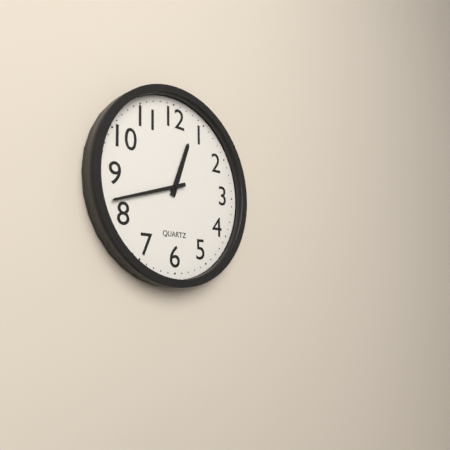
12:42
